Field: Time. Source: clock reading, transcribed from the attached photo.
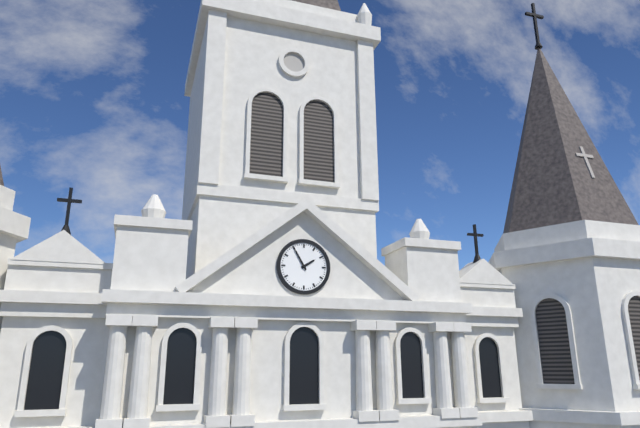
1:55
